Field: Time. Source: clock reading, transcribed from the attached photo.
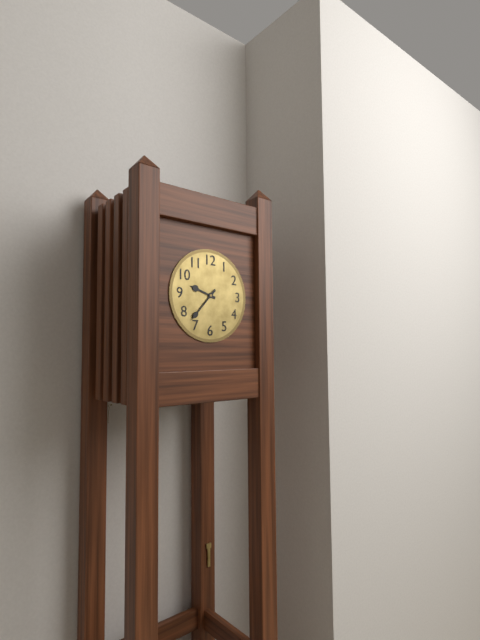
9:37
